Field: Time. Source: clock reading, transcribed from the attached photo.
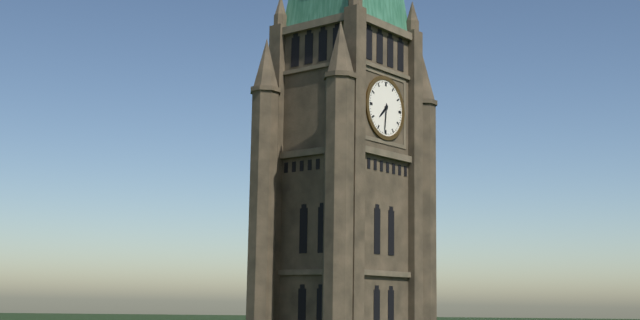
7:31
